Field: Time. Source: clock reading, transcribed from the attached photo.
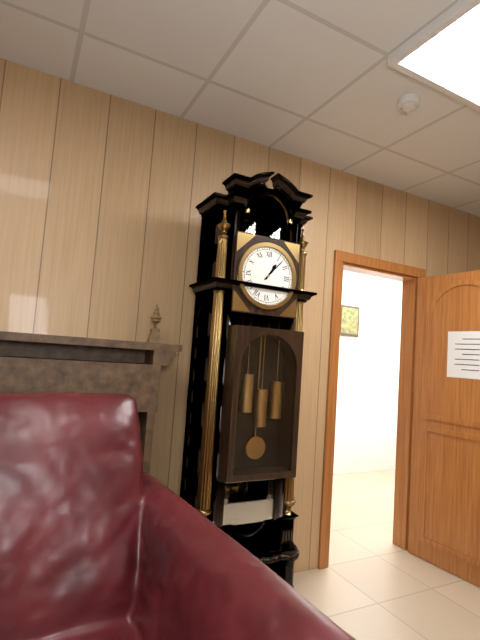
1:07
